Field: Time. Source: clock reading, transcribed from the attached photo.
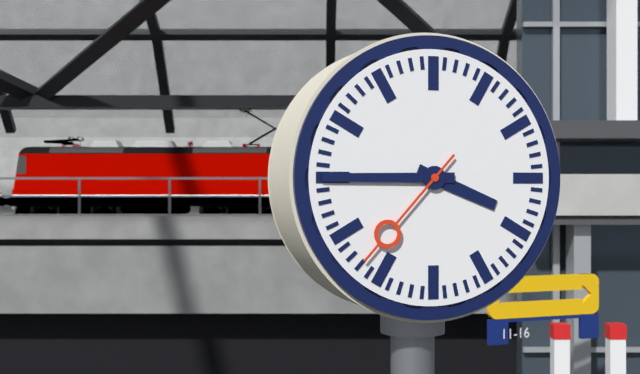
3:45:37
